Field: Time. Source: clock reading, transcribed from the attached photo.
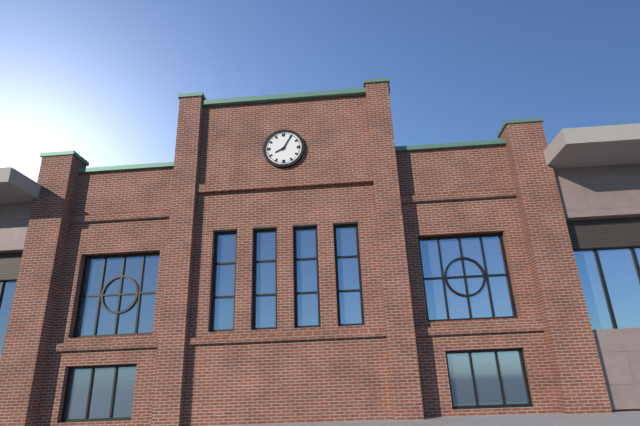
8:05
